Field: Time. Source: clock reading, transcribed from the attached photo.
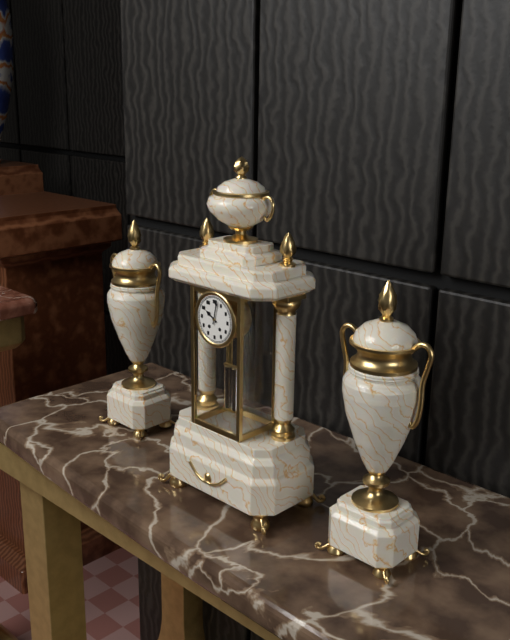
10:02
